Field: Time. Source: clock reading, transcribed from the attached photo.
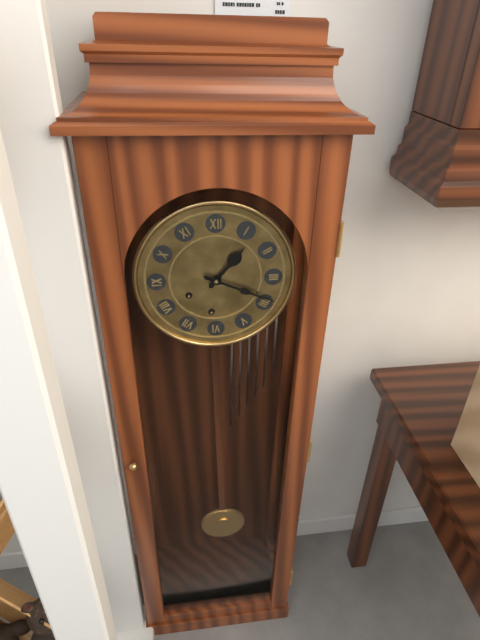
1:19
